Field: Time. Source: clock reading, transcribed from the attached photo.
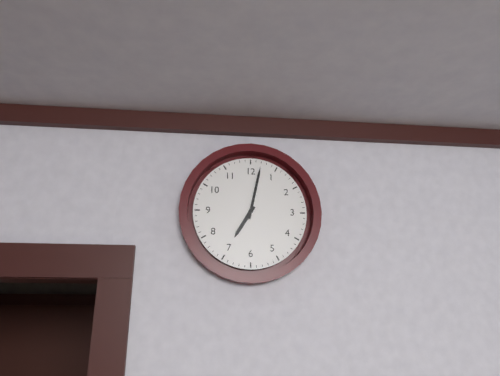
7:02
